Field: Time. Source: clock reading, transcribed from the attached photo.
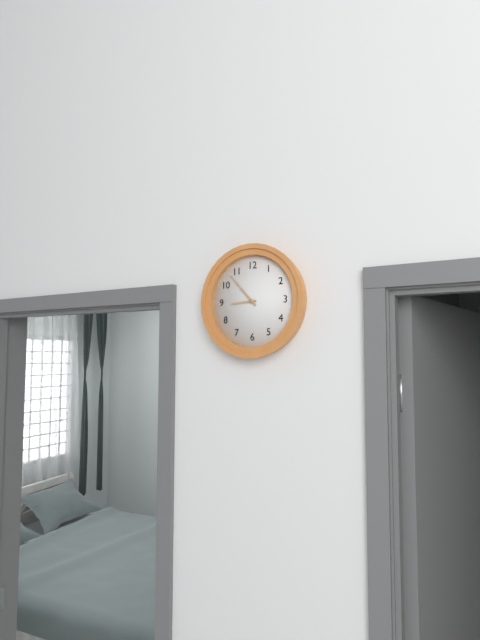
8:53
